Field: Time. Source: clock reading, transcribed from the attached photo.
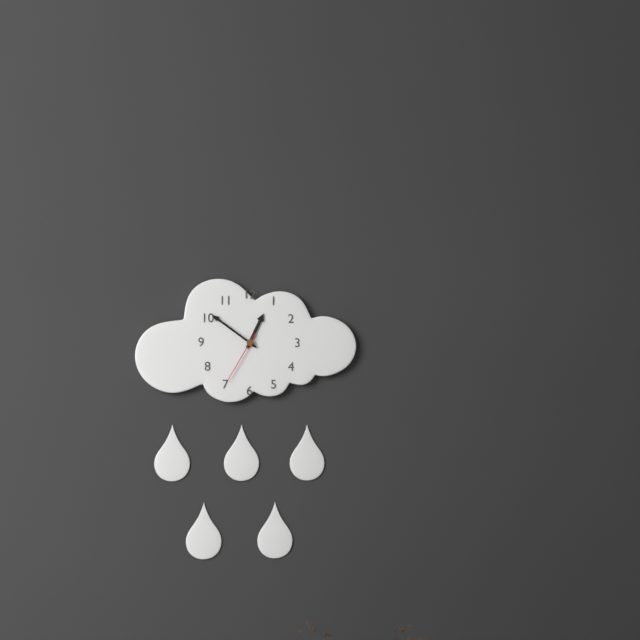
12:51:35
